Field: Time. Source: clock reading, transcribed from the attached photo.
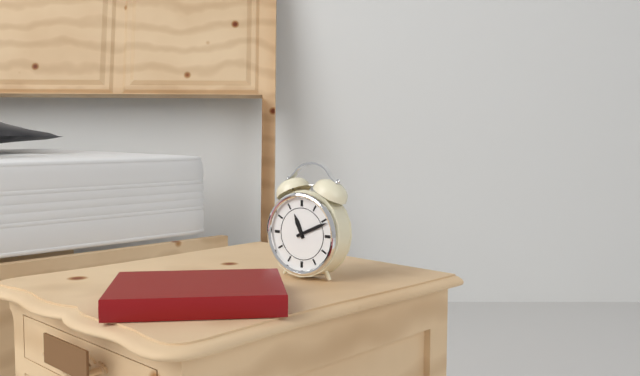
11:11
